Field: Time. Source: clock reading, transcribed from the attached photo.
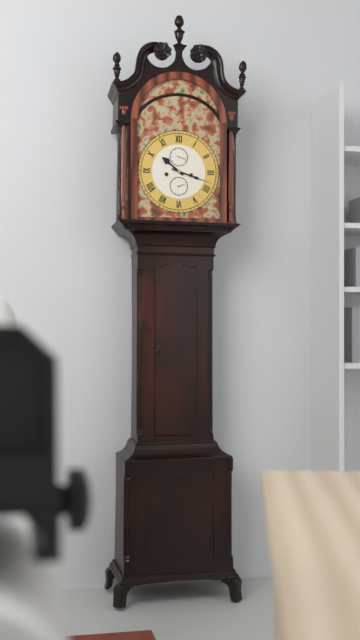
10:18
